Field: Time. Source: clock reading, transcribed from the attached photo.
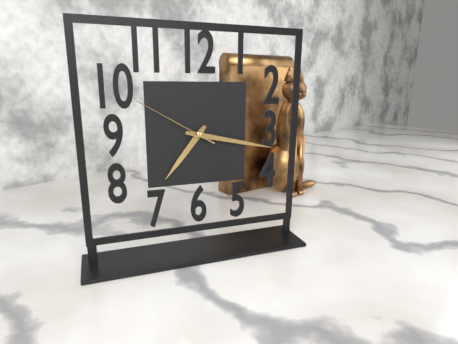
7:17:50
